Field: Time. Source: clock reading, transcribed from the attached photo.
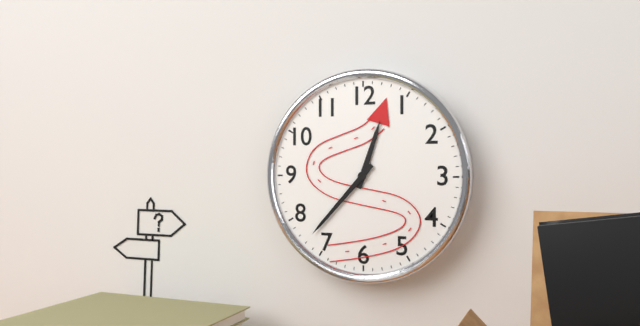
12:37
